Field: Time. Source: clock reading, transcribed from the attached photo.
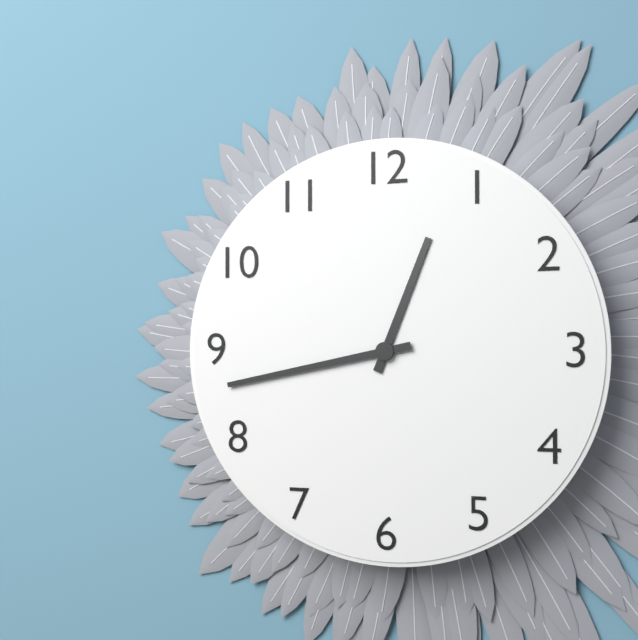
12:43
